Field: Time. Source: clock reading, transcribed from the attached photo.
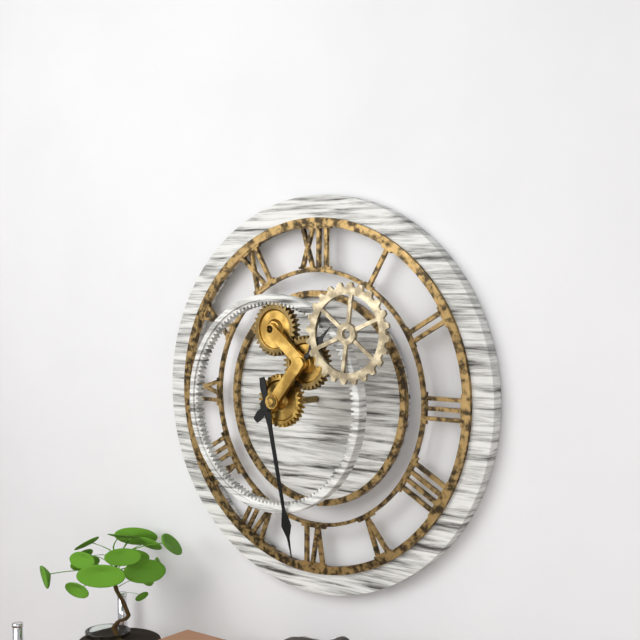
1:28
